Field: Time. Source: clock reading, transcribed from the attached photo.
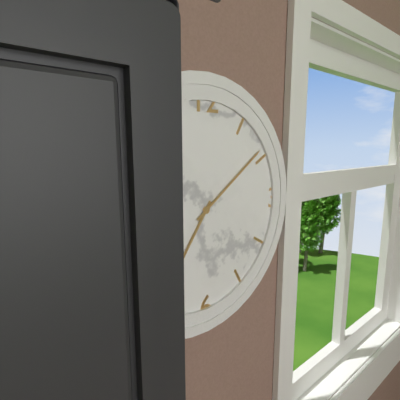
7:09
